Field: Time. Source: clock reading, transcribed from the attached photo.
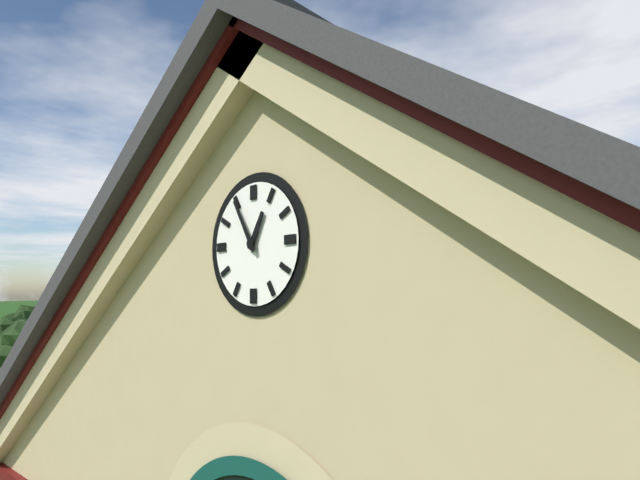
12:55
